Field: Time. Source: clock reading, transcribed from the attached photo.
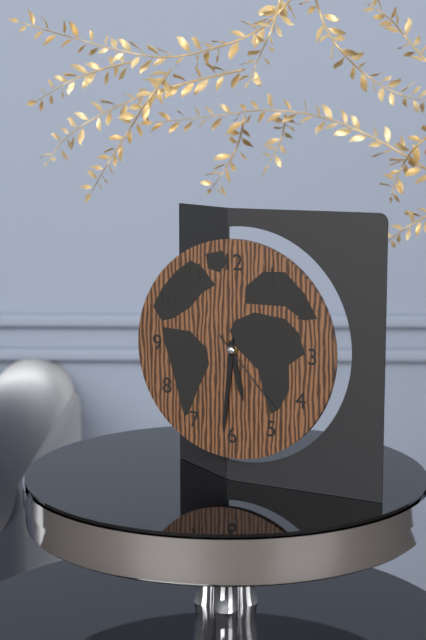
5:31:23
